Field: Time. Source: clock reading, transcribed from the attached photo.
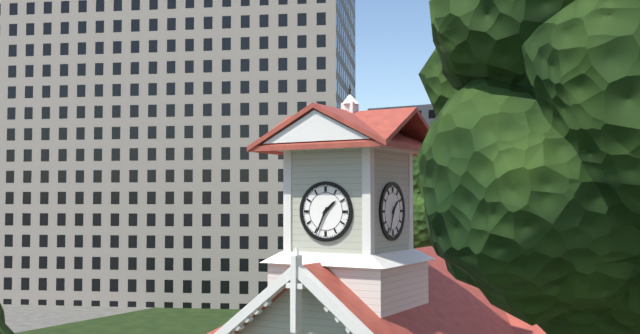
1:34
